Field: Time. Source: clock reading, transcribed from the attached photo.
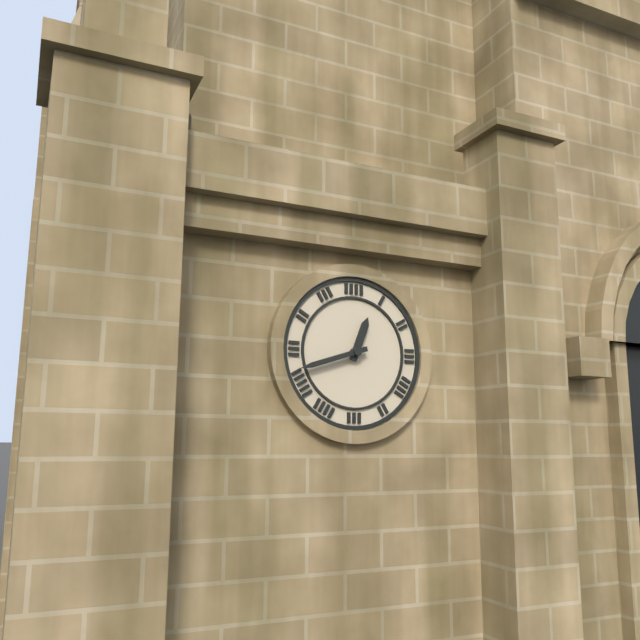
12:42
